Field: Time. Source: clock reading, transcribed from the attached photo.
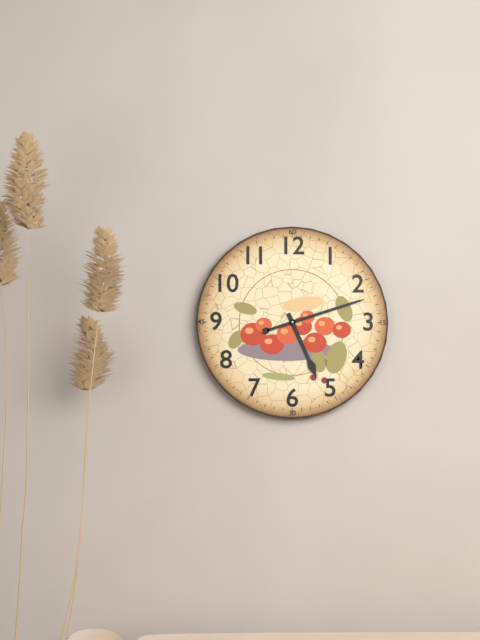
5:12
